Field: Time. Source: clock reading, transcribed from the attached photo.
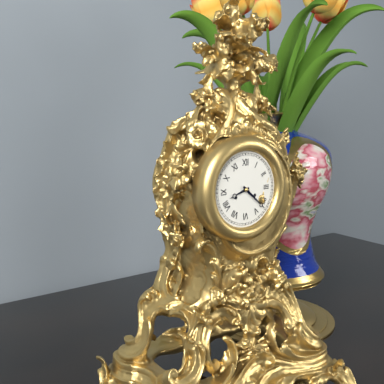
8:22
